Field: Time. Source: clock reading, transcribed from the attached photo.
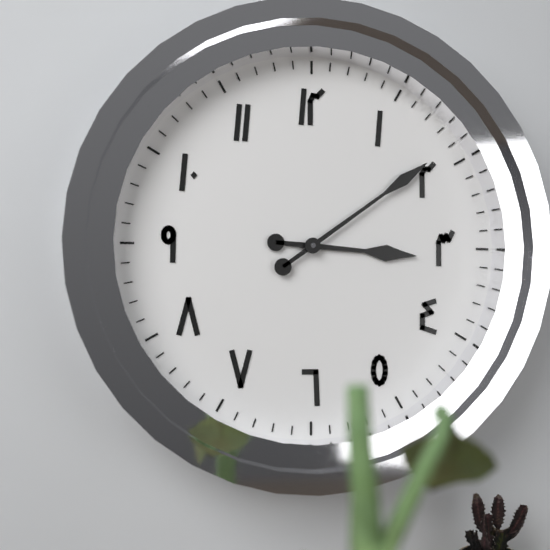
3:09
